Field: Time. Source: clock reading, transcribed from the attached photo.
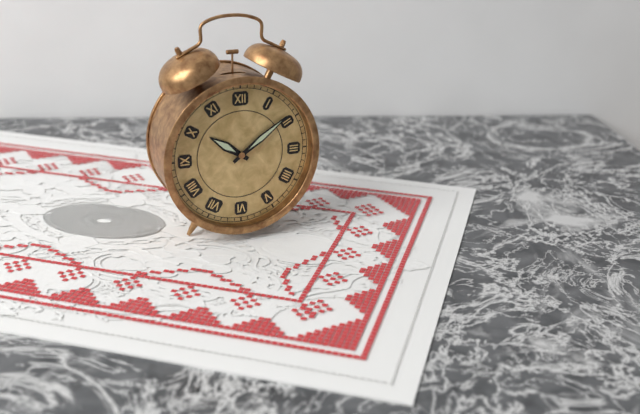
10:09
